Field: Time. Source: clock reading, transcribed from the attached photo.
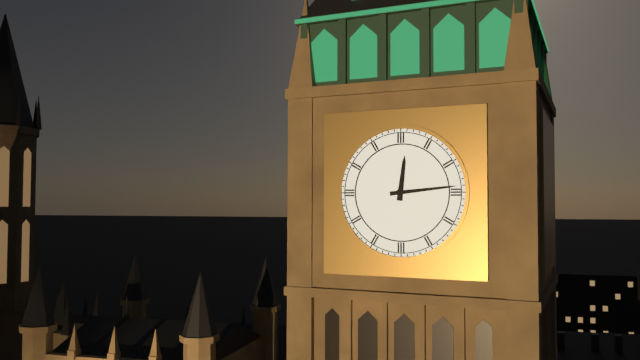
12:14
